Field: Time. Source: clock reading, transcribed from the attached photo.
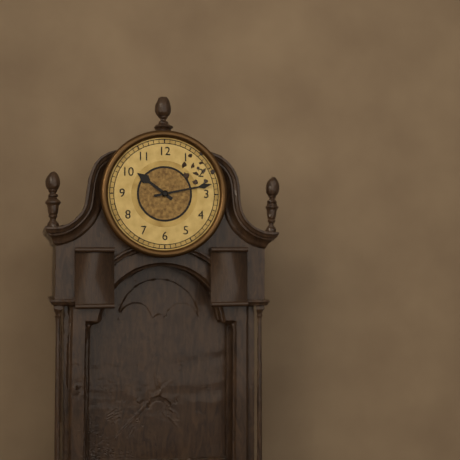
10:13
